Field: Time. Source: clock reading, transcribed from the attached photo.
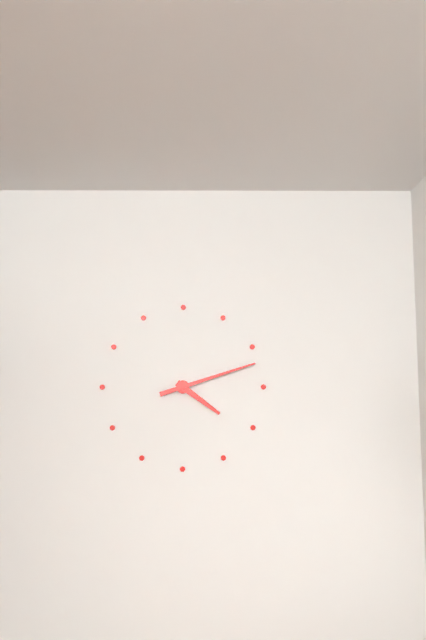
4:12
